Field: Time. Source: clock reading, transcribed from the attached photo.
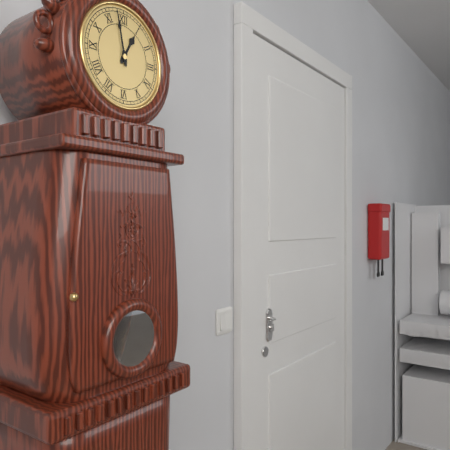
12:58
